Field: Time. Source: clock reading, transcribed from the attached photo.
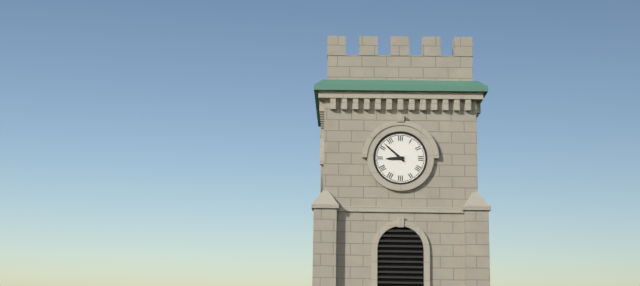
8:52
